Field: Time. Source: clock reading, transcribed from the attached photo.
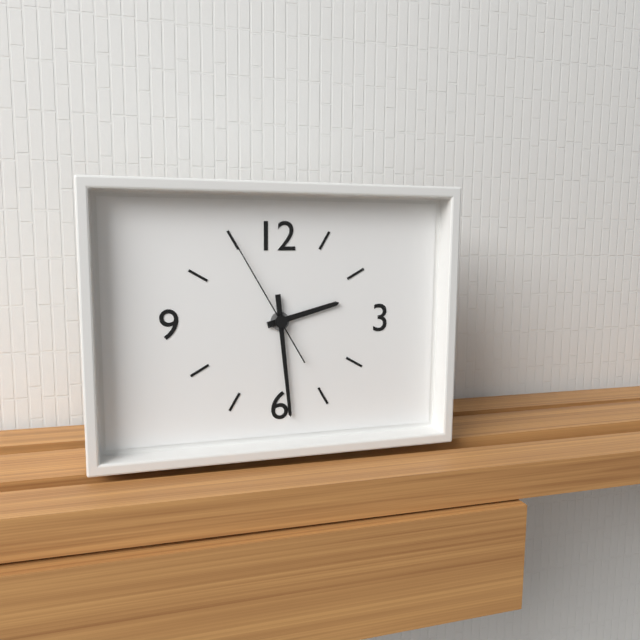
2:29:55
